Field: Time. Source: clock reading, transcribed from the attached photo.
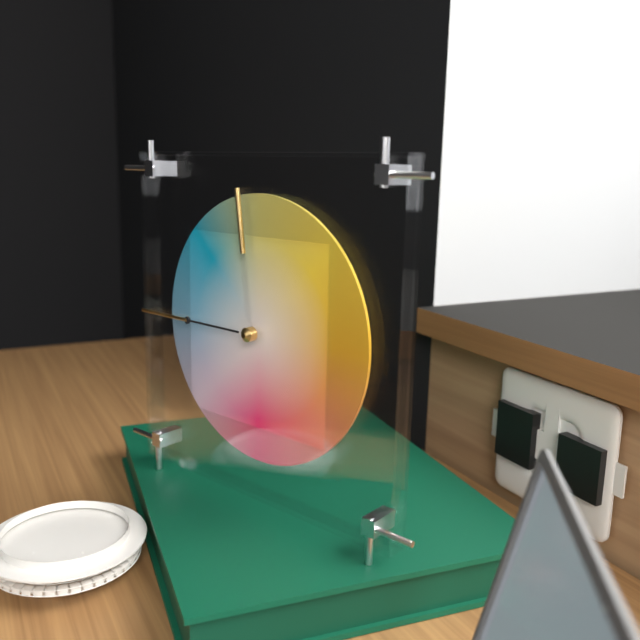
11:45
